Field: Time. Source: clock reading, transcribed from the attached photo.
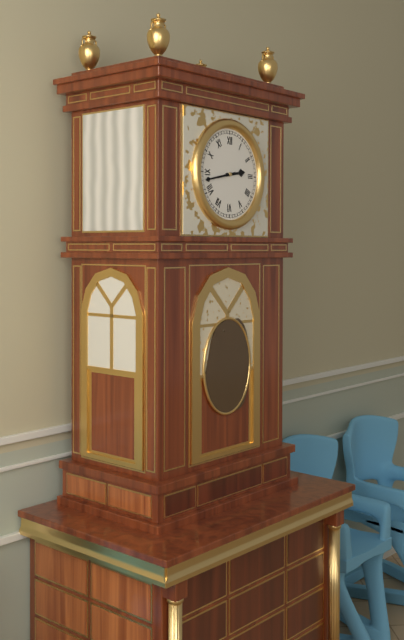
2:43
